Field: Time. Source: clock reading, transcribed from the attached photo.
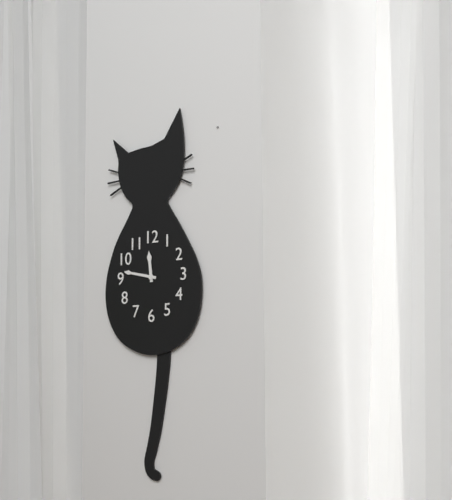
11:47
